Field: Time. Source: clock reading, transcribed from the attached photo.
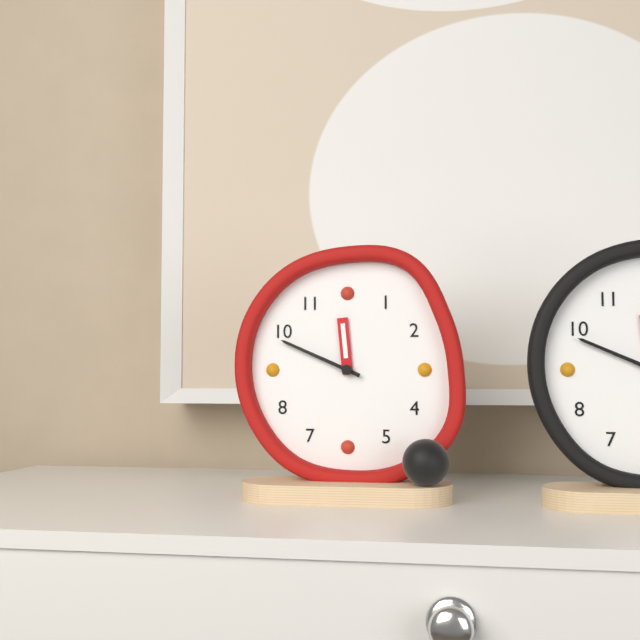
11:49
